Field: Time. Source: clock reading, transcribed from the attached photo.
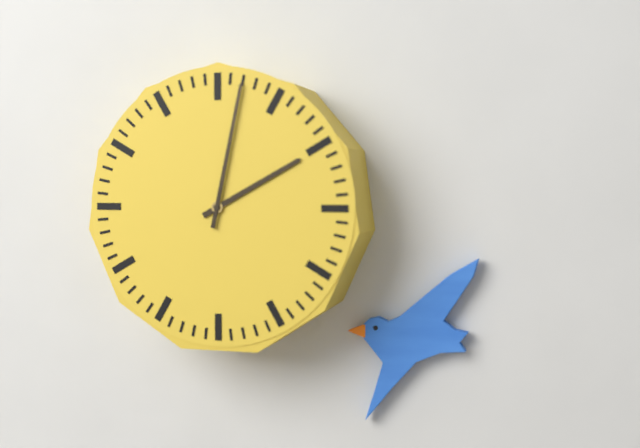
2:02
